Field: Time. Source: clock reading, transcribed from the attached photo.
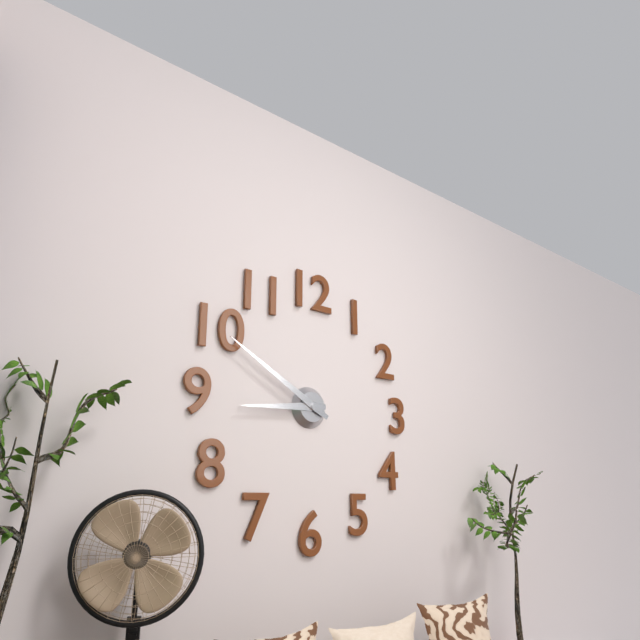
8:50
